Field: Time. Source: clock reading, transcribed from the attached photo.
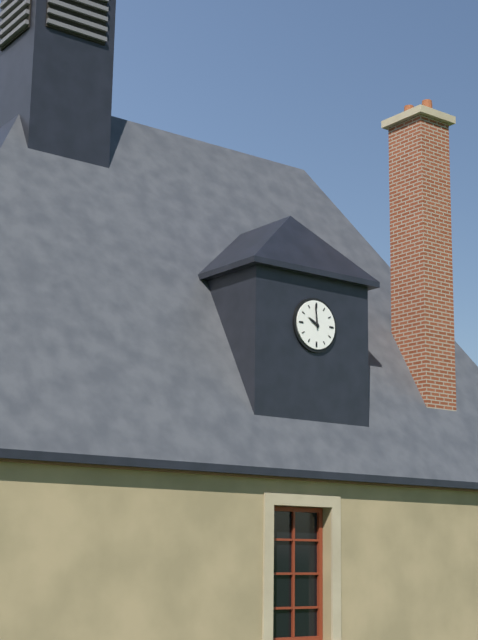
9:59
